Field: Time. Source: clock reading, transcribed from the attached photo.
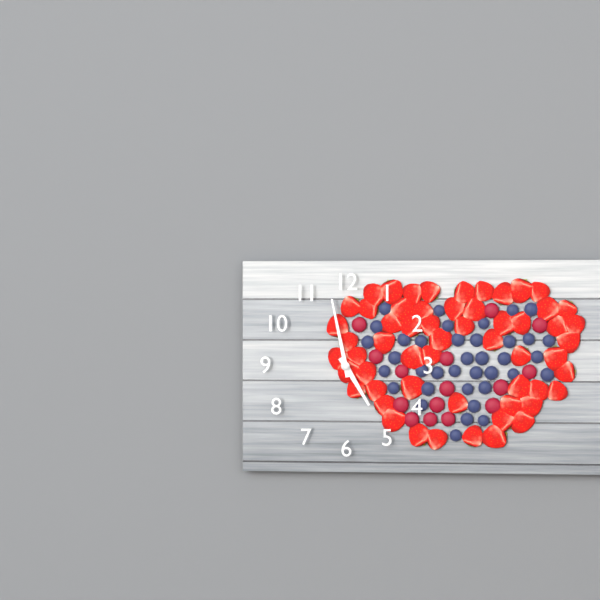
4:58
